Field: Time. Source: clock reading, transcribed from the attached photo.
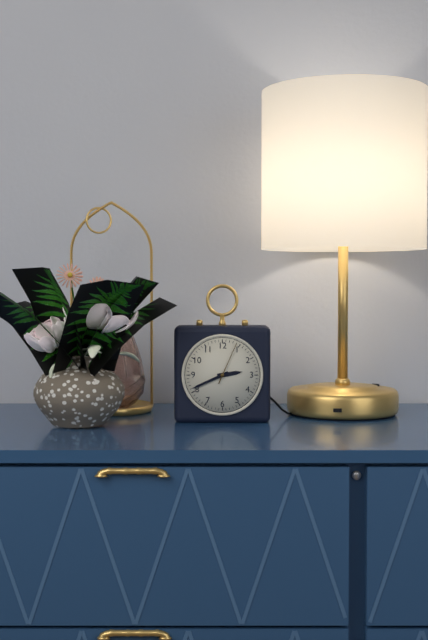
2:41
